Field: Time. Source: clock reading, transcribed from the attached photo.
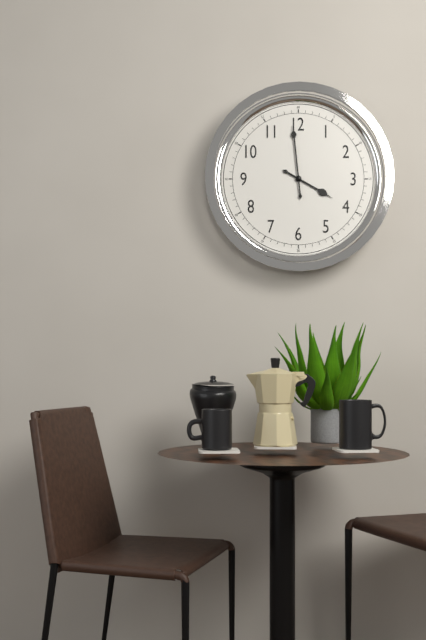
3:59
